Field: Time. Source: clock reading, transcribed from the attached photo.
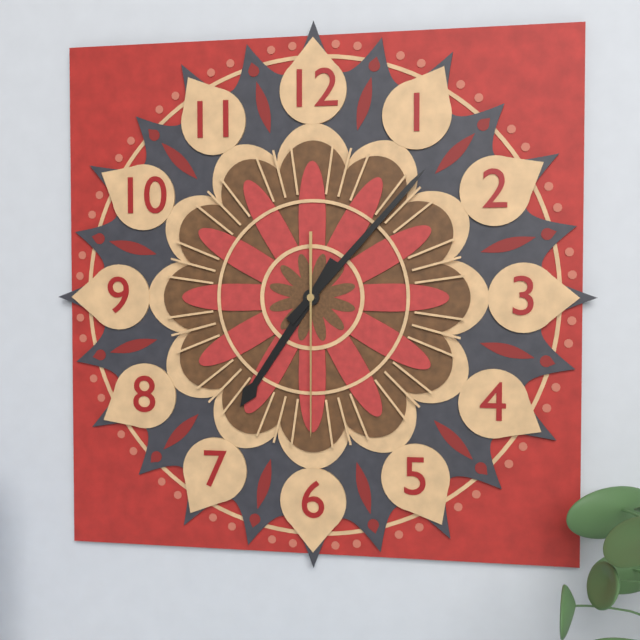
7:07:30
